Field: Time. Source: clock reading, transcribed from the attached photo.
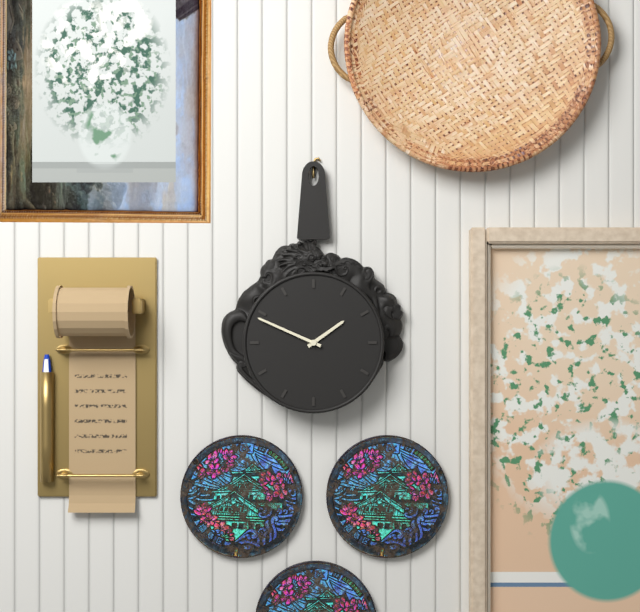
1:49
